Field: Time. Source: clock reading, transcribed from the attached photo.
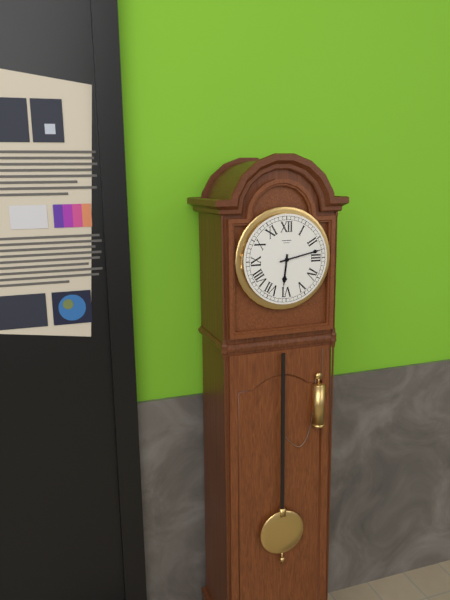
6:13
